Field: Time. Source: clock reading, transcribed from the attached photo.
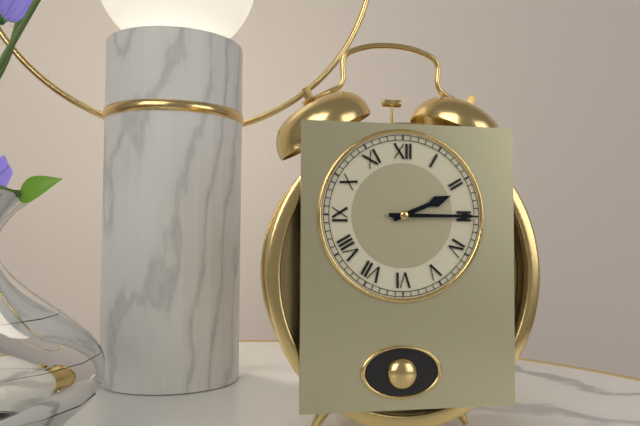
2:15
